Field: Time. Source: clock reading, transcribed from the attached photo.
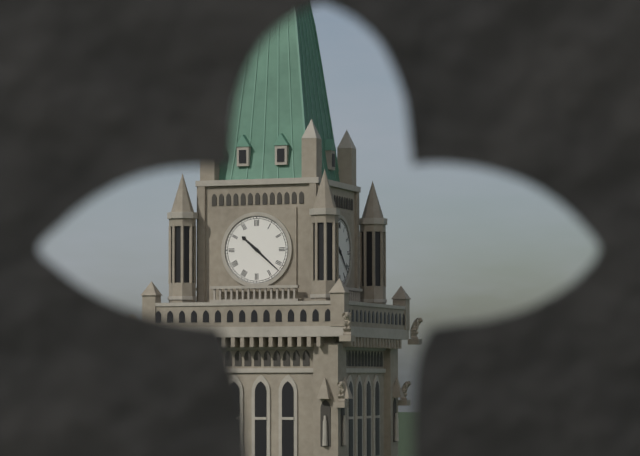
10:22
